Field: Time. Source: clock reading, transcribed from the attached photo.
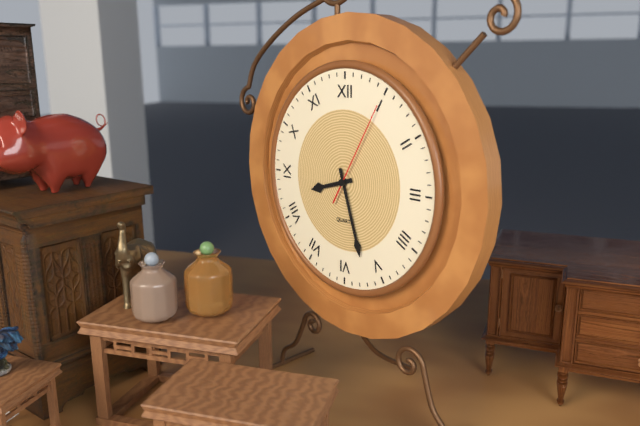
8:27:05
